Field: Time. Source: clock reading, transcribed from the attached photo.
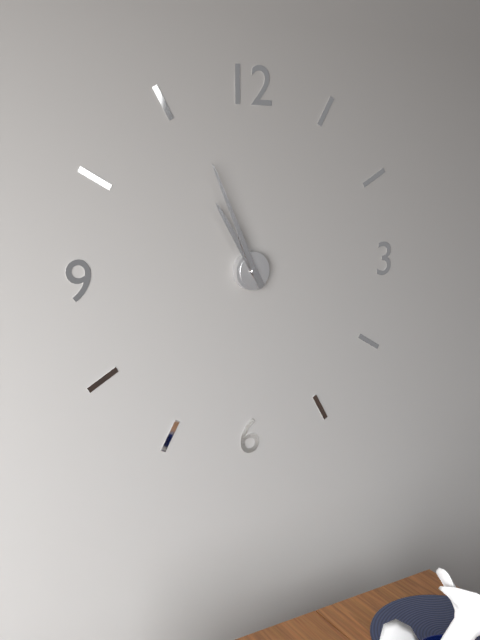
10:56
